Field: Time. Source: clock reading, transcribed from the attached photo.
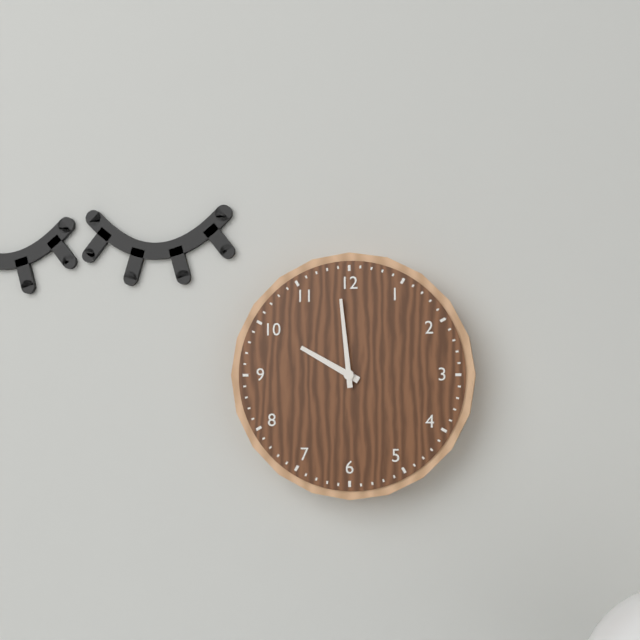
9:59
